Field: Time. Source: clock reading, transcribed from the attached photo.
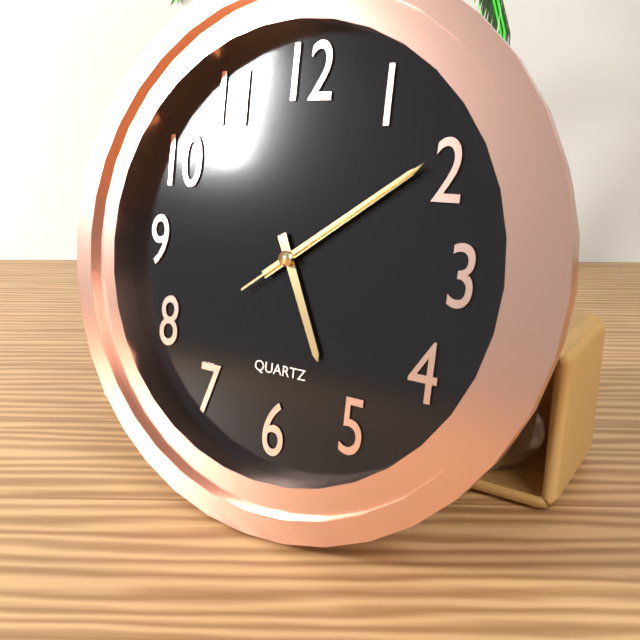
5:09:09
